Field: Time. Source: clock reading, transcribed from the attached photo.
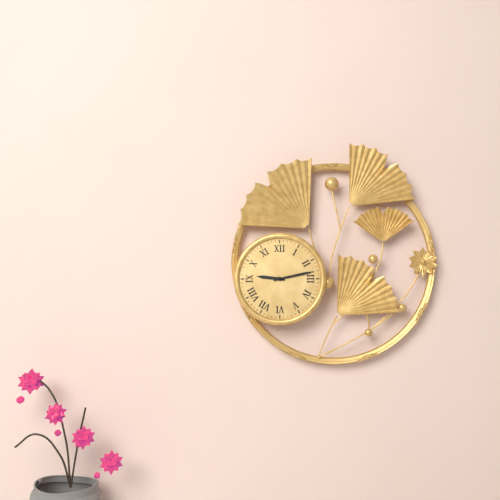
9:13
